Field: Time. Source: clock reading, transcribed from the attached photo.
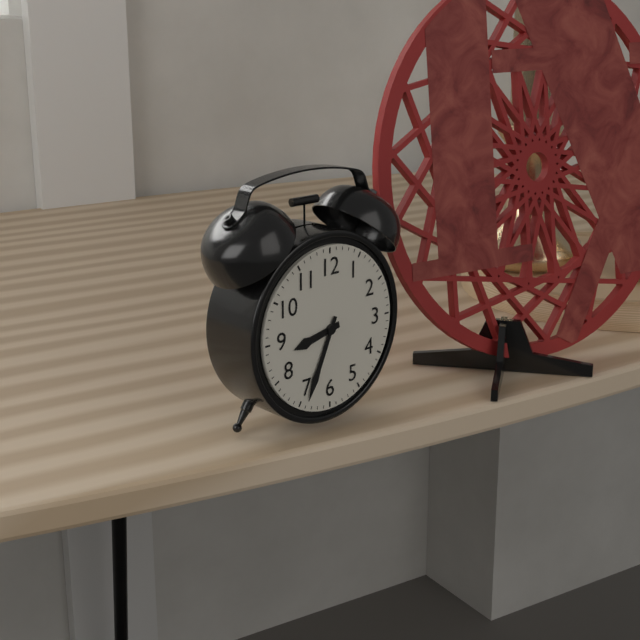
8:34
